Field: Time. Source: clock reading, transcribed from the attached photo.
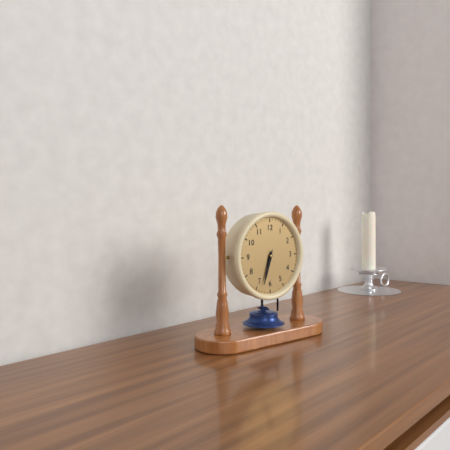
6:33
